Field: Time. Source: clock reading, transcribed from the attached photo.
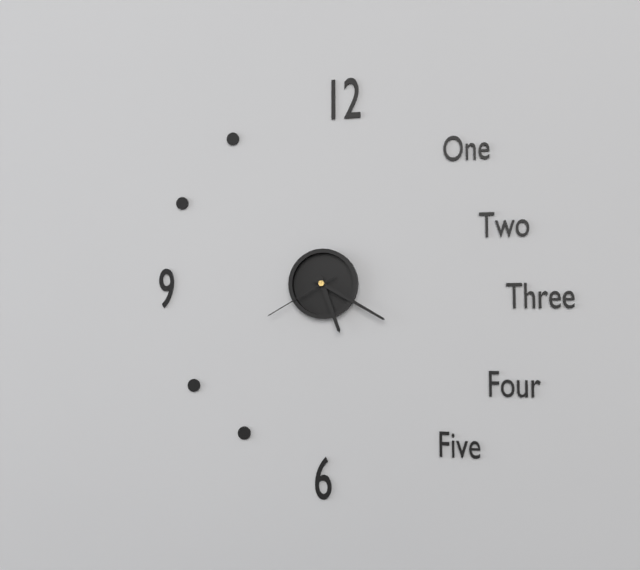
5:20:40
